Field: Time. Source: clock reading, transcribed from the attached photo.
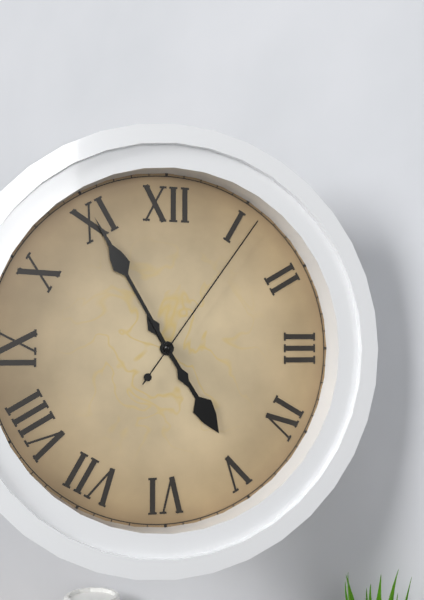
4:55:06
